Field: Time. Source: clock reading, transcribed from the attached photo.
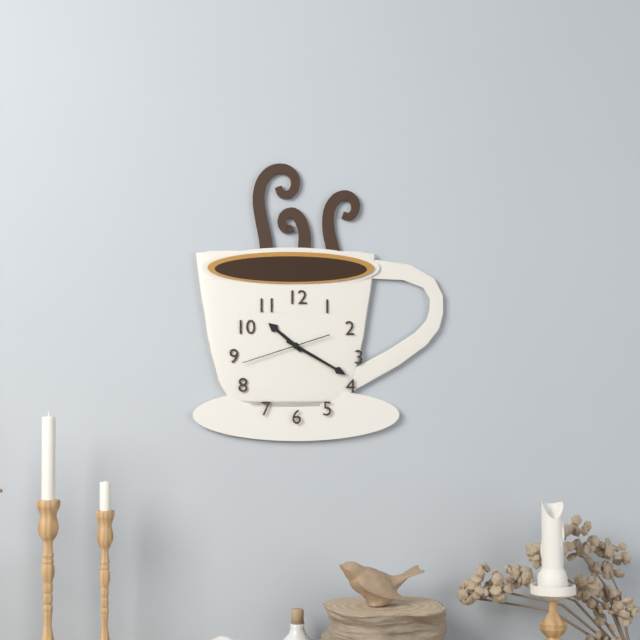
10:20:42
